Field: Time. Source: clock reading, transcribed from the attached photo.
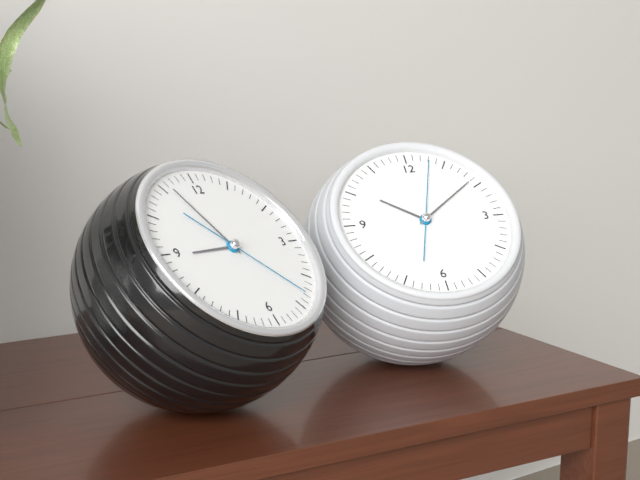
8:56:23
